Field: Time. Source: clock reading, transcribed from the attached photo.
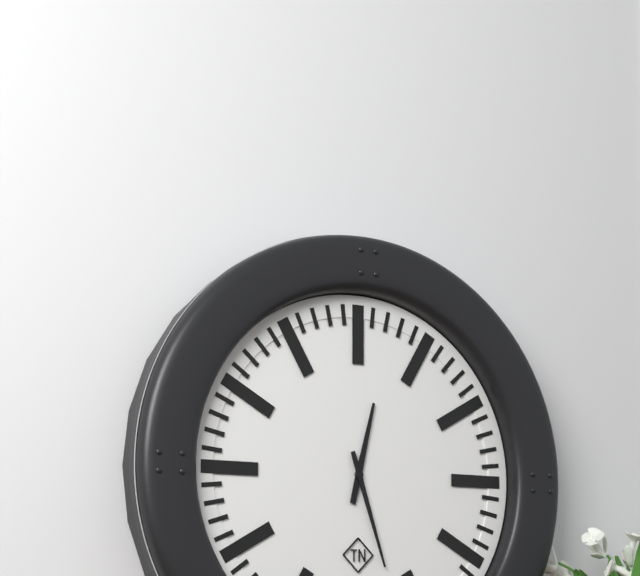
12:27
